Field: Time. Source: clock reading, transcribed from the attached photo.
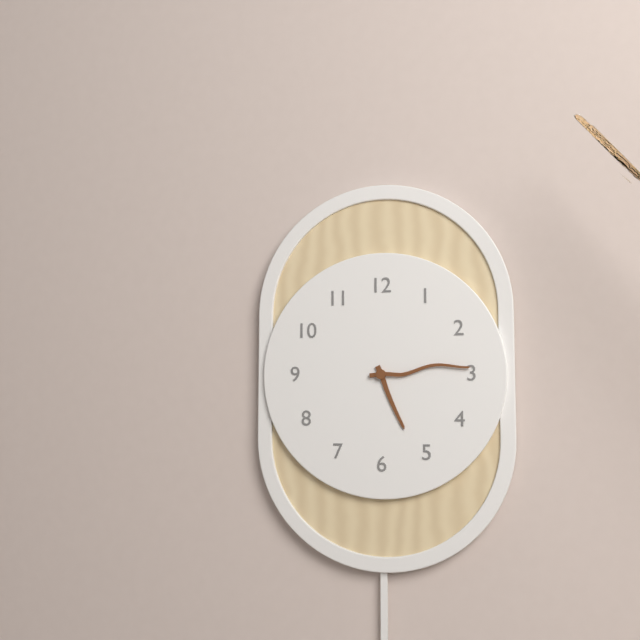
5:14
